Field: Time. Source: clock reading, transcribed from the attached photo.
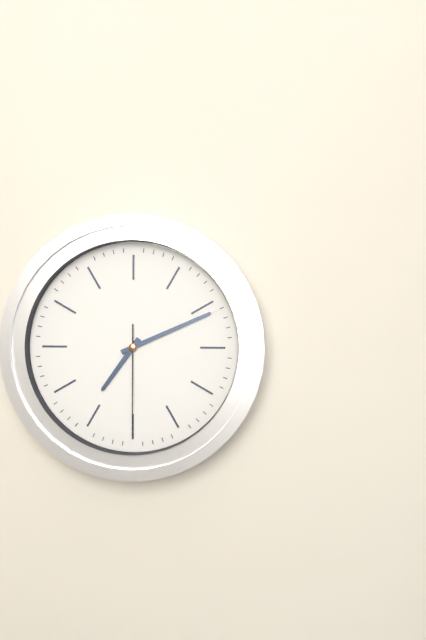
7:11:30
